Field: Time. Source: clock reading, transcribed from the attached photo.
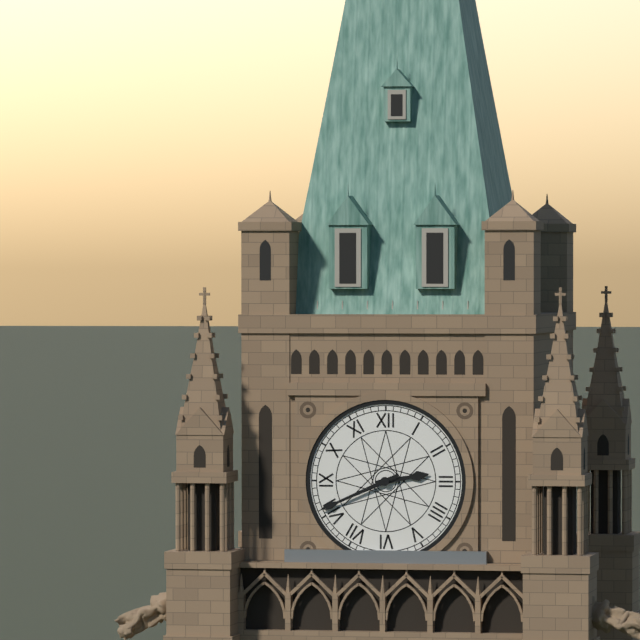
2:41
